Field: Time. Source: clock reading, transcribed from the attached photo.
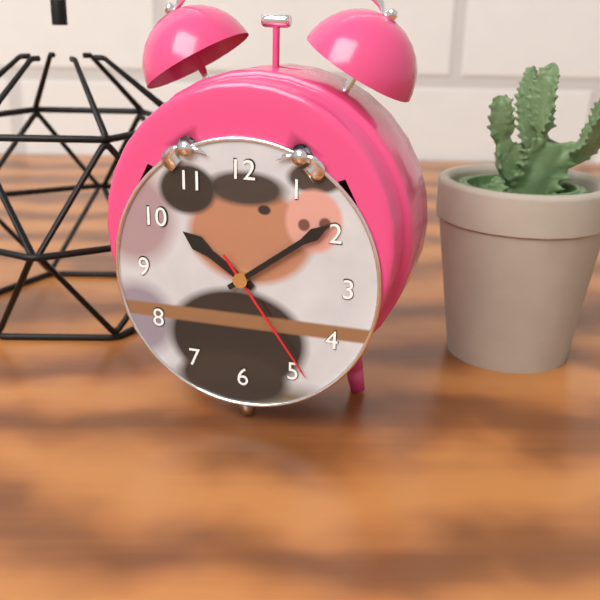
10:09:24
